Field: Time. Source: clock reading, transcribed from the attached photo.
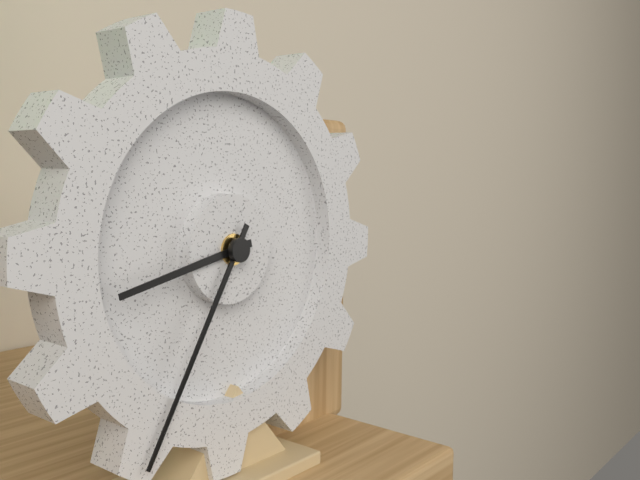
8:35
